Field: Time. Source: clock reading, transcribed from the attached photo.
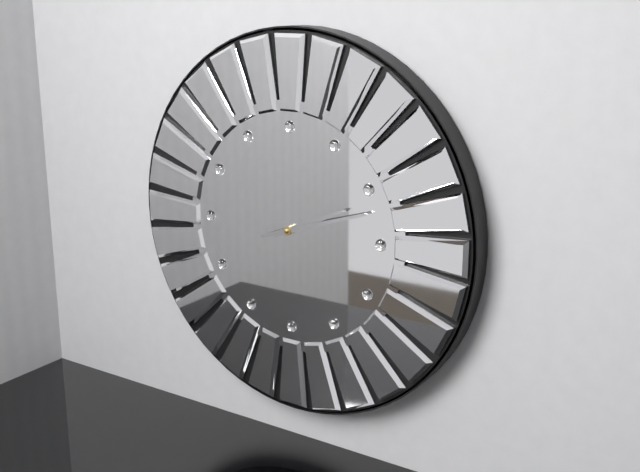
2:12
